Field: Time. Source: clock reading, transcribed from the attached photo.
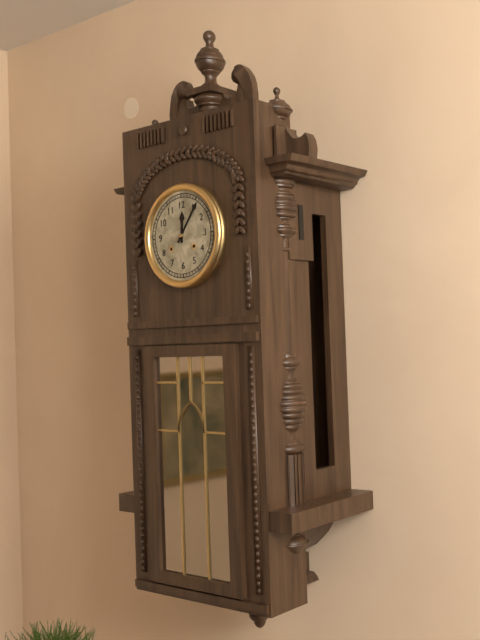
12:06
